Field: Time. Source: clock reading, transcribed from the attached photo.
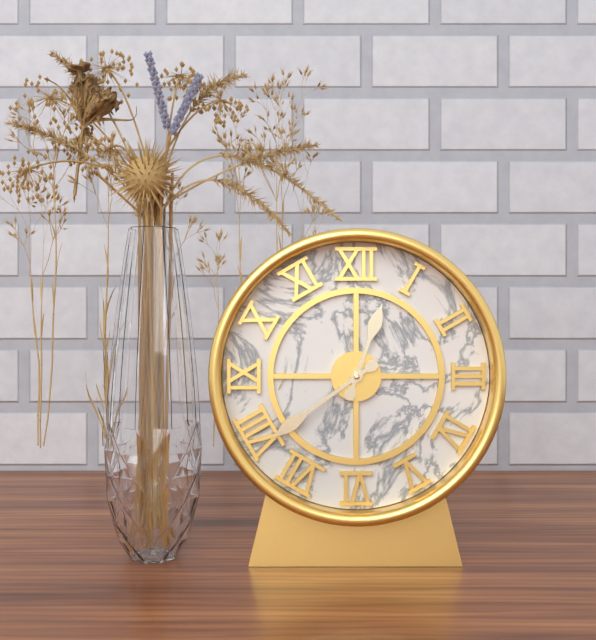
12:39
